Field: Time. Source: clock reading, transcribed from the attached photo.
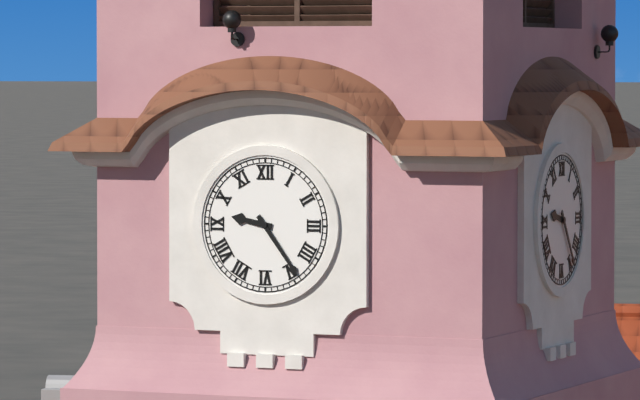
9:24
